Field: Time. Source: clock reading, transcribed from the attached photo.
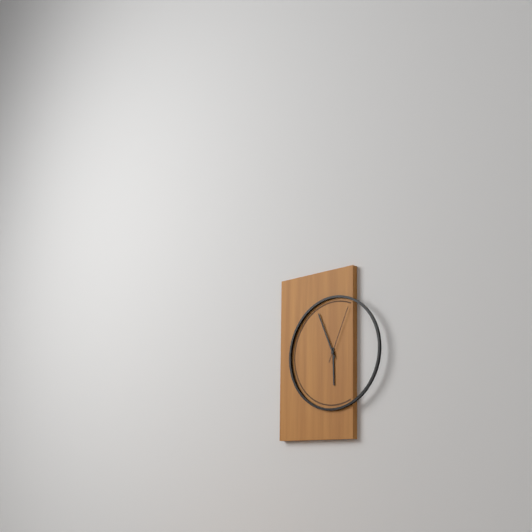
5:56:04
